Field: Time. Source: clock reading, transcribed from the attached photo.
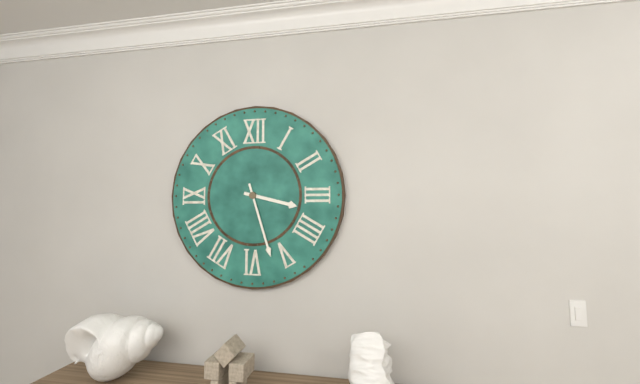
3:27
